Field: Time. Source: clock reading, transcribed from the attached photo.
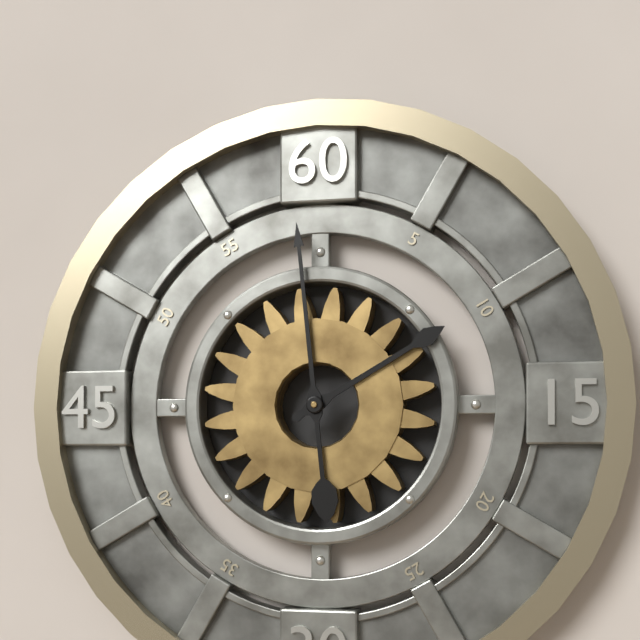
1:59
